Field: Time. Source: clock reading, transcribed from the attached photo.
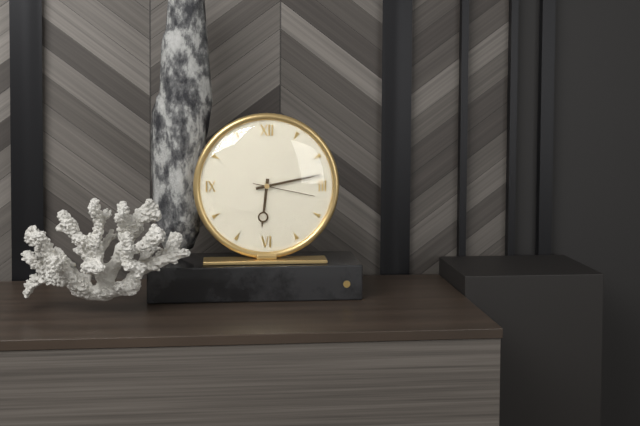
6:13:17
